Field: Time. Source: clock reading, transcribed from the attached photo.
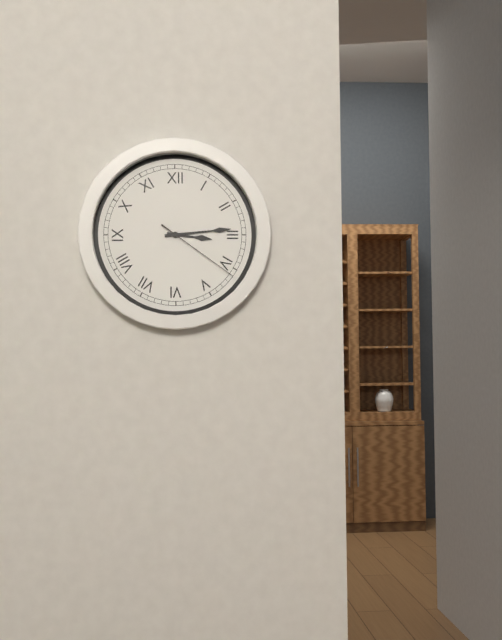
3:14:21
